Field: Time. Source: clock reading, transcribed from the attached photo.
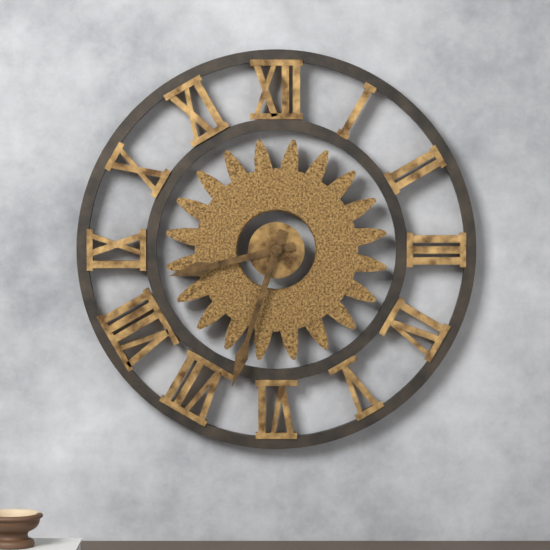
8:33
